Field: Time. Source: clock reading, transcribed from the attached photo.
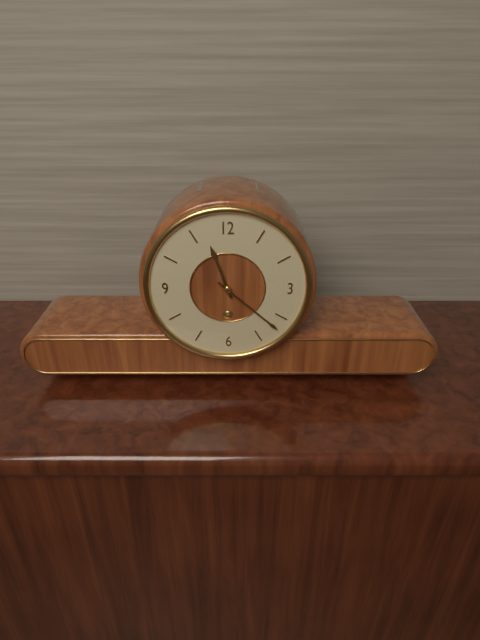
11:22
